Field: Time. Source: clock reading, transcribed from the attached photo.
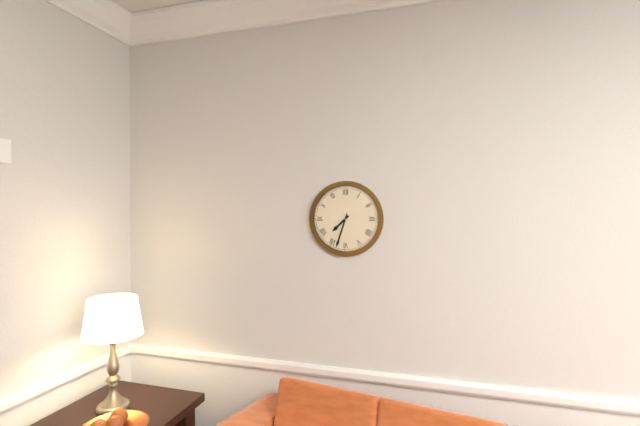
7:33
